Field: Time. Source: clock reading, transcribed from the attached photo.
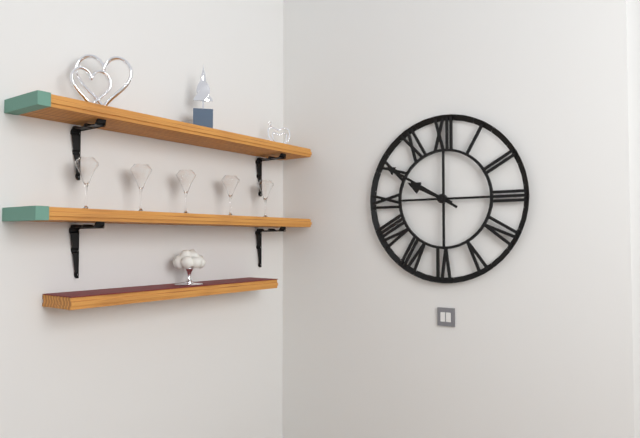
9:50
